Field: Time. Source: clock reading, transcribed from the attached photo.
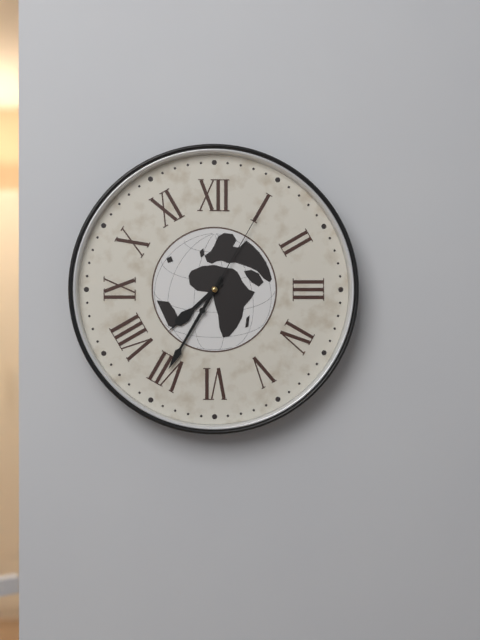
7:35:05
